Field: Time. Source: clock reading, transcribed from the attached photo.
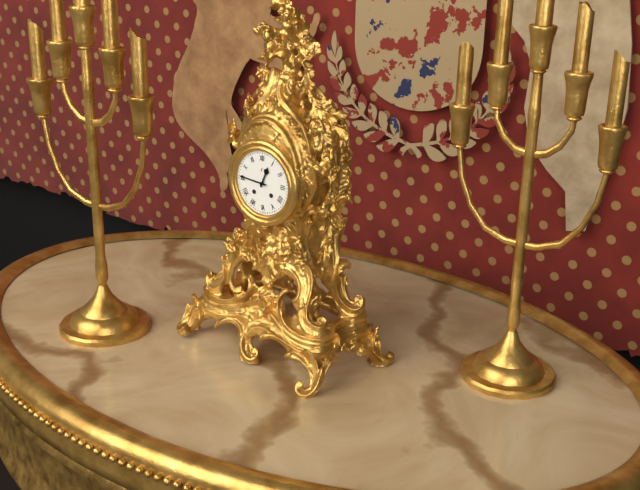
12:46
